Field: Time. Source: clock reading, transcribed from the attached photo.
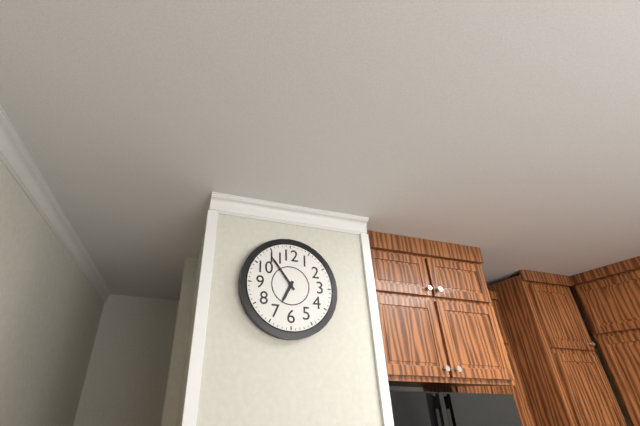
6:54
